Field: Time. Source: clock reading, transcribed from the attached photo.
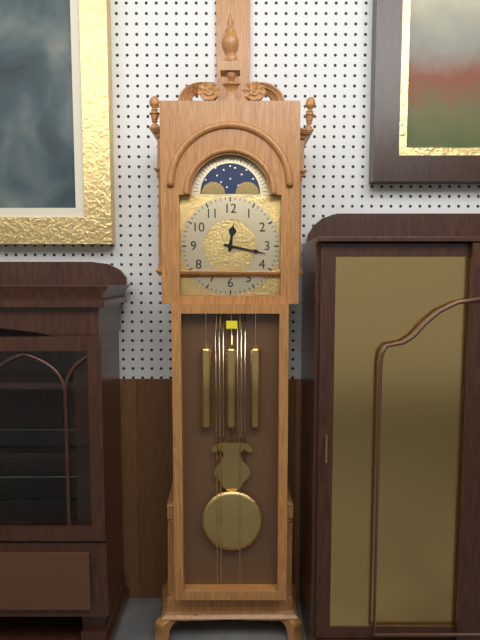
12:17
